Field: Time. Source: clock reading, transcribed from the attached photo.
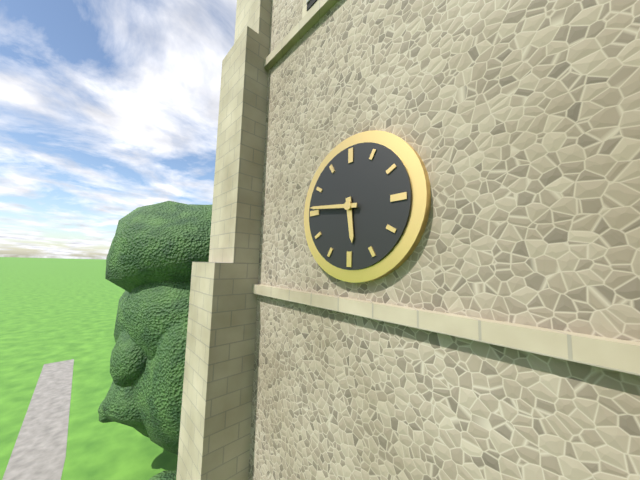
5:46
